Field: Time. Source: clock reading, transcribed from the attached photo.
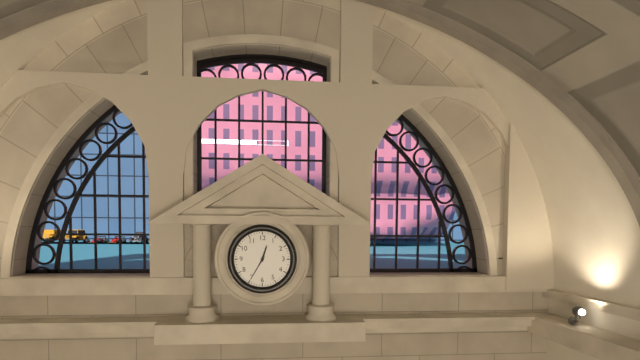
12:35
